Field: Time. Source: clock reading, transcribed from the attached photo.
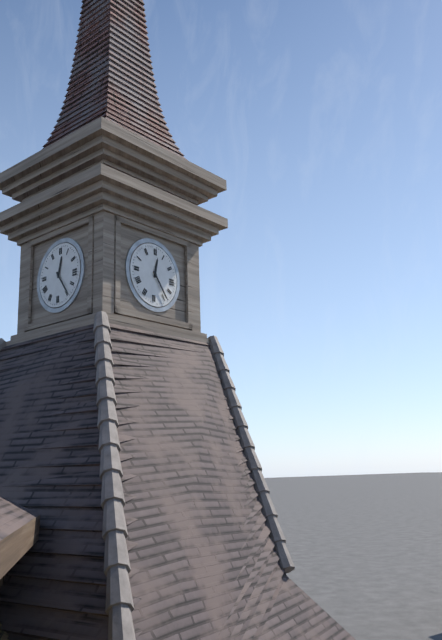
12:24
